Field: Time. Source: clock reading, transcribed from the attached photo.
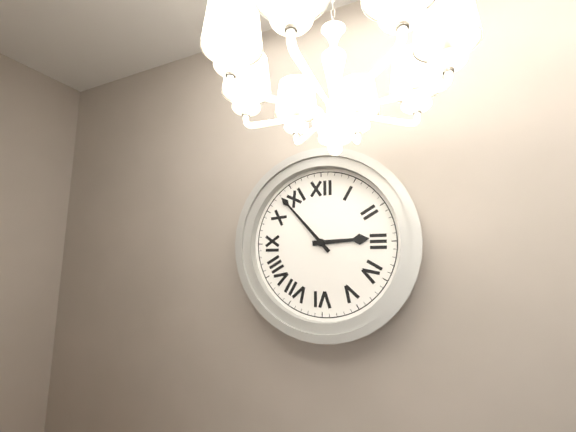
2:53
